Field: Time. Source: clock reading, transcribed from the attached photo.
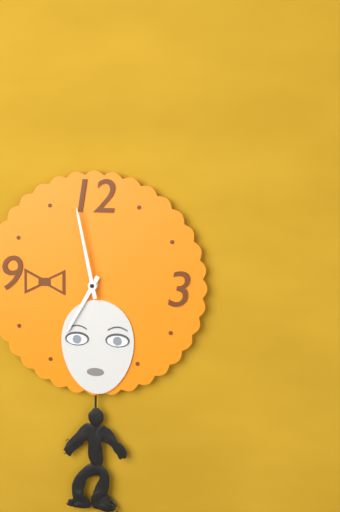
6:58
